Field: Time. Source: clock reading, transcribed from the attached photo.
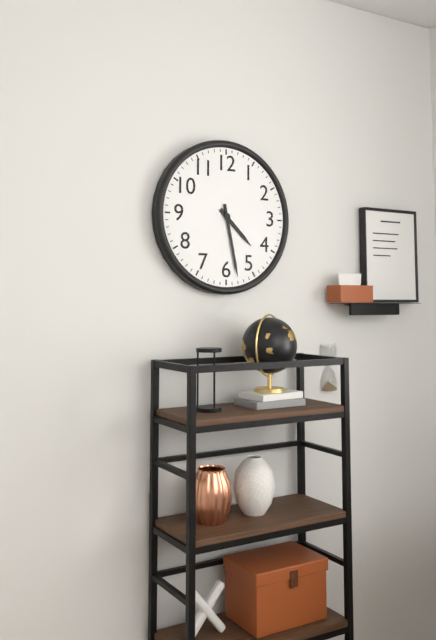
4:28
